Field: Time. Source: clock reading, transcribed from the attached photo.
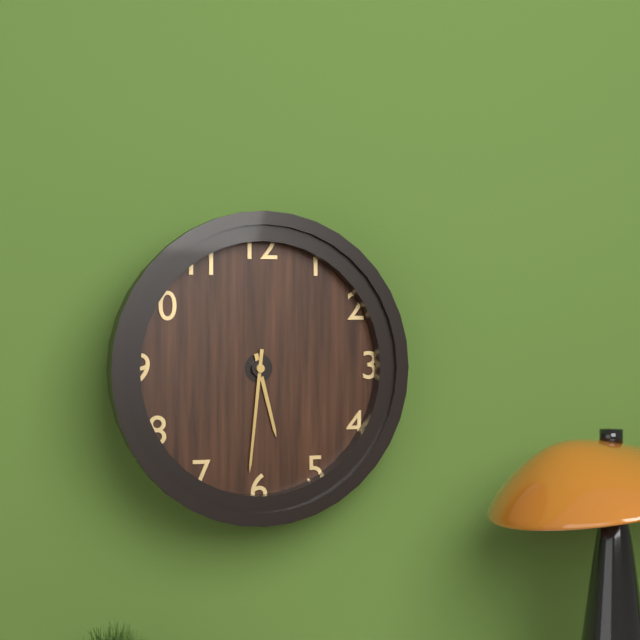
5:31
